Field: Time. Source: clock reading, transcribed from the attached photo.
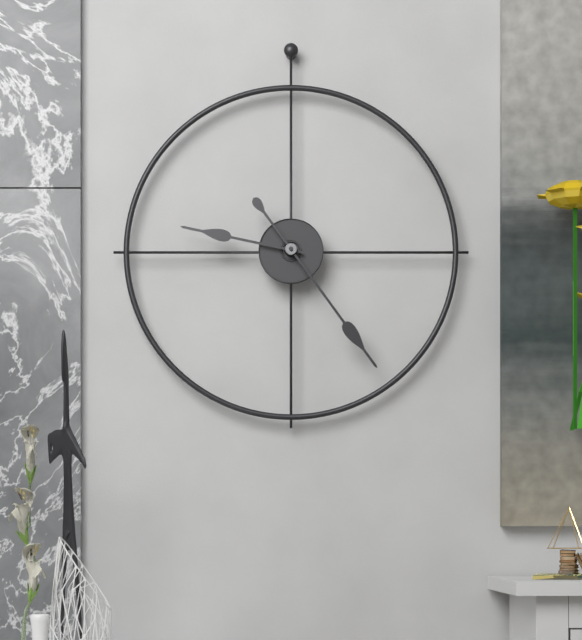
9:24
